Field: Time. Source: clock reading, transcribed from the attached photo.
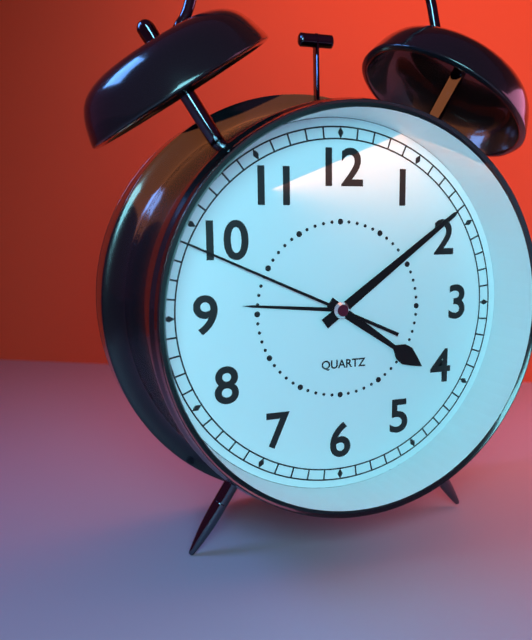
4:09:49
